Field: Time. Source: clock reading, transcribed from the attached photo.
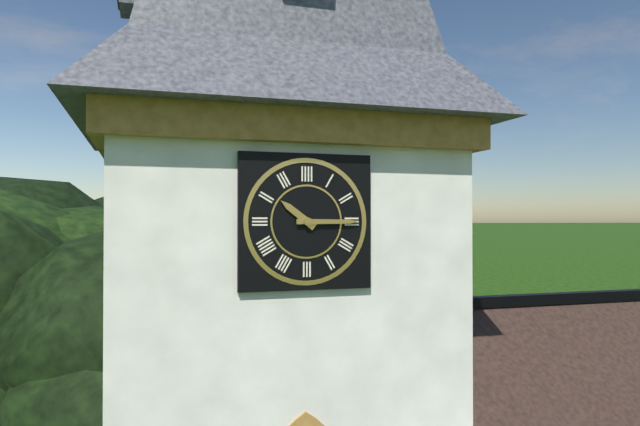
10:15
